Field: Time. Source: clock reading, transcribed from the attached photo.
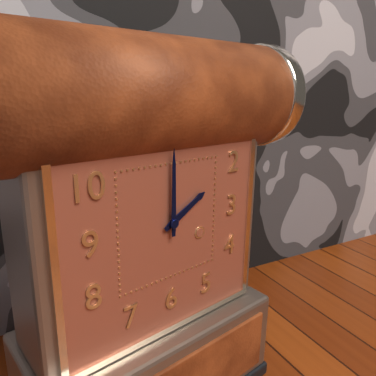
2:00
